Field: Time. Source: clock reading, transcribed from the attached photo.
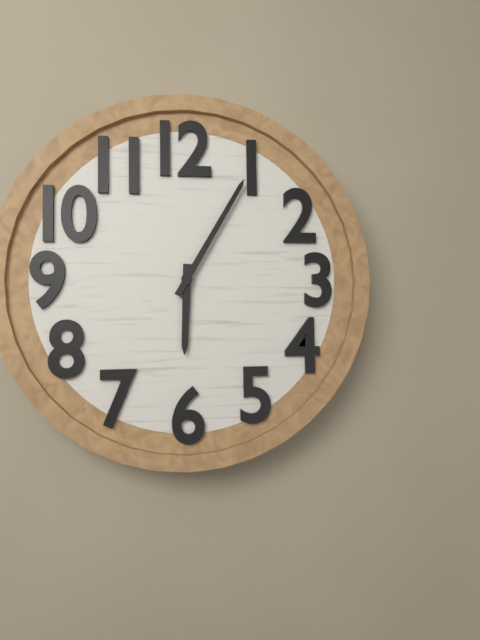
6:05
